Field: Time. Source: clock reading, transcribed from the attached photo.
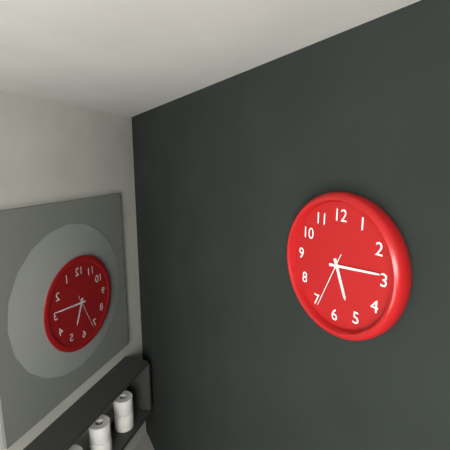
5:14:34
